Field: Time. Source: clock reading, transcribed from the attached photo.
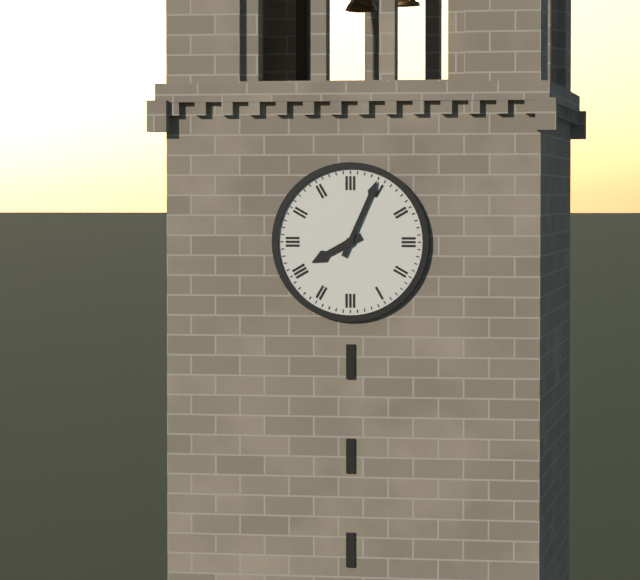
8:04
